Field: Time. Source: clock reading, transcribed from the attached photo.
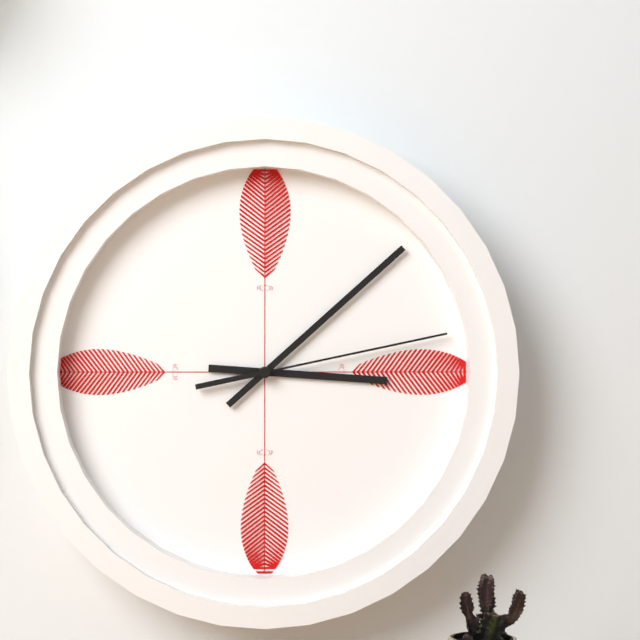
3:08:13
